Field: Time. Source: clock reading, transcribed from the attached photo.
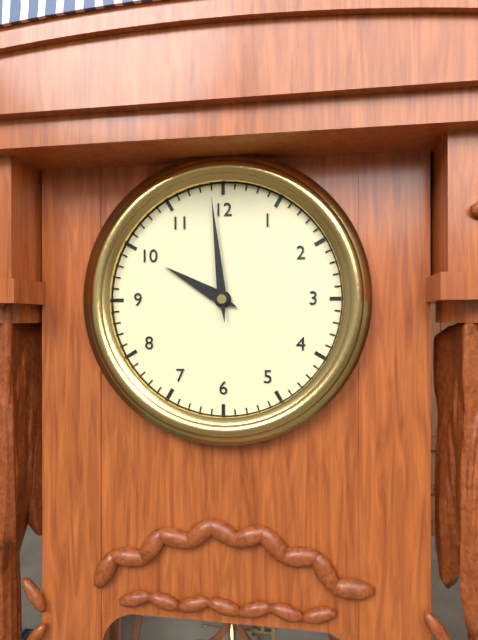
9:59
